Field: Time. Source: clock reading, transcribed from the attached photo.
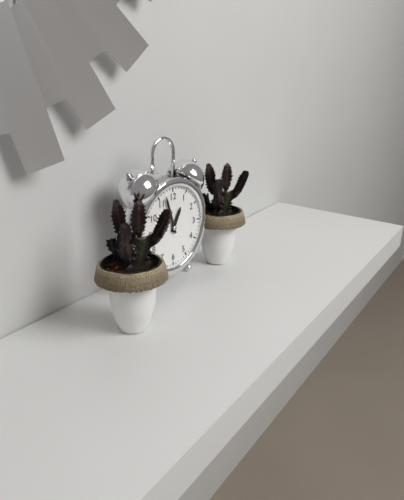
12:57
